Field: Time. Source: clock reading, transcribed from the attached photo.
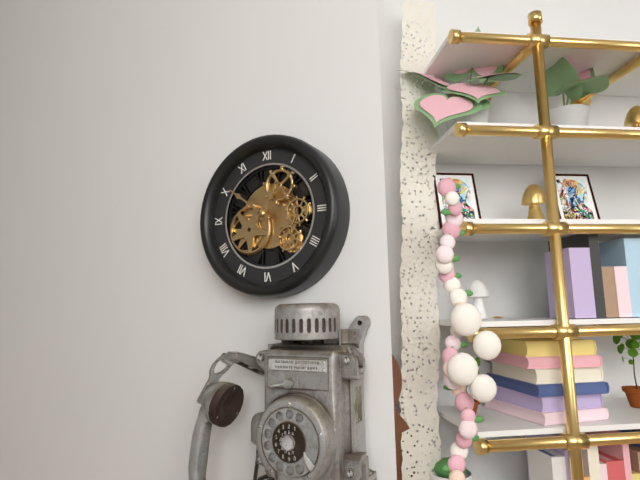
12:51
